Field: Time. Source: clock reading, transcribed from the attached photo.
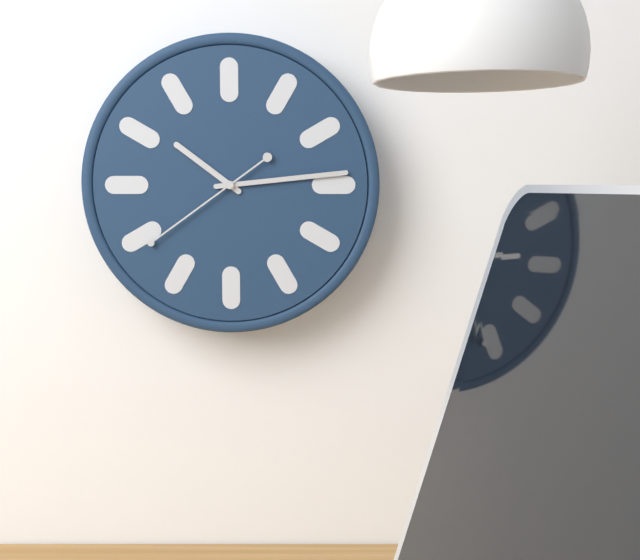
10:14:39
